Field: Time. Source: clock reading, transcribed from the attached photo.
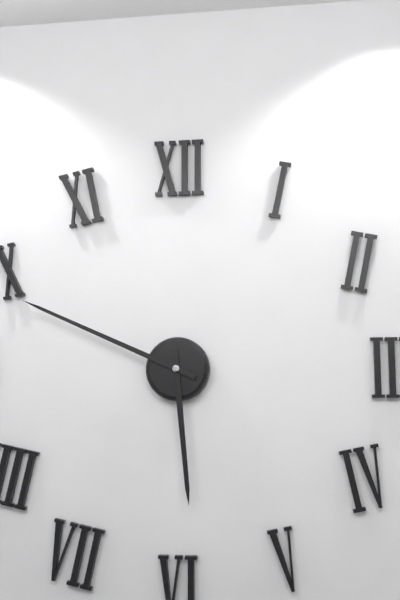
5:49
